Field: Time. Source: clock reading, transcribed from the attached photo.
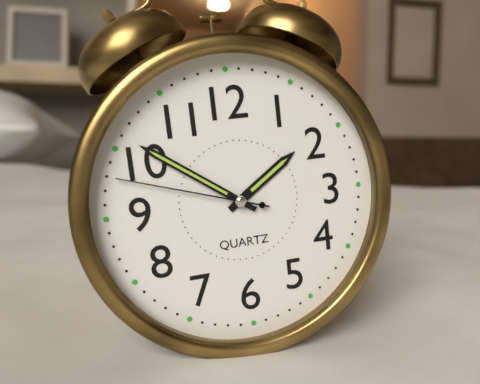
1:51:48
